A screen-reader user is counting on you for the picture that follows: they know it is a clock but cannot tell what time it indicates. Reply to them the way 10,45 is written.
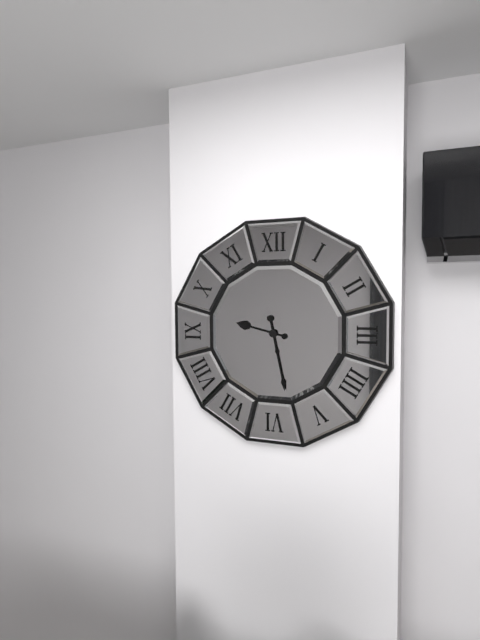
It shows 9,28
